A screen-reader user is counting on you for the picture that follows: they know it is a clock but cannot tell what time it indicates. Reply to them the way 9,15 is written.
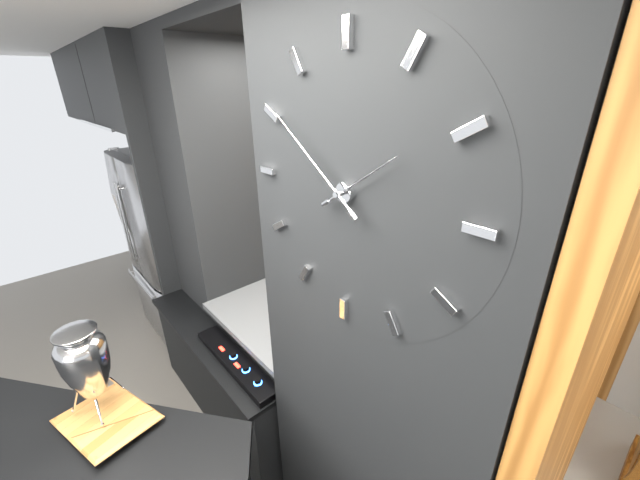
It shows 1,51
